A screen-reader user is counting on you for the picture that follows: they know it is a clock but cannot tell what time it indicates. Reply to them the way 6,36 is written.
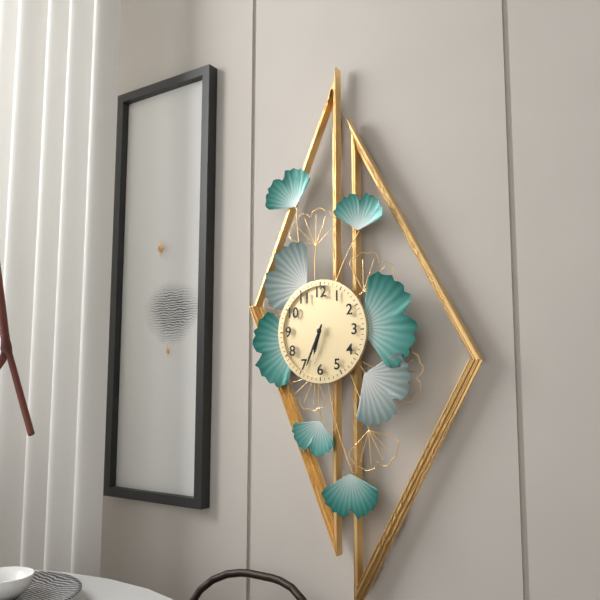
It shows 6,34
